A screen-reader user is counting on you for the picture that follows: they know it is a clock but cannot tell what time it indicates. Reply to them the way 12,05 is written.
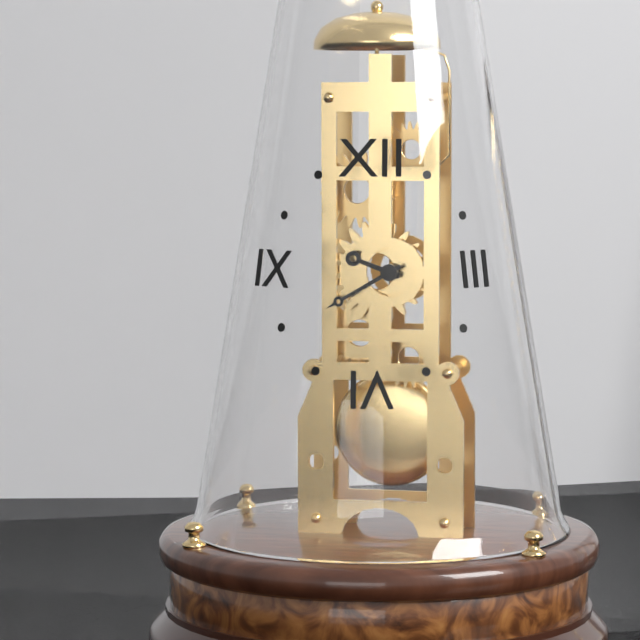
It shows 9,40
